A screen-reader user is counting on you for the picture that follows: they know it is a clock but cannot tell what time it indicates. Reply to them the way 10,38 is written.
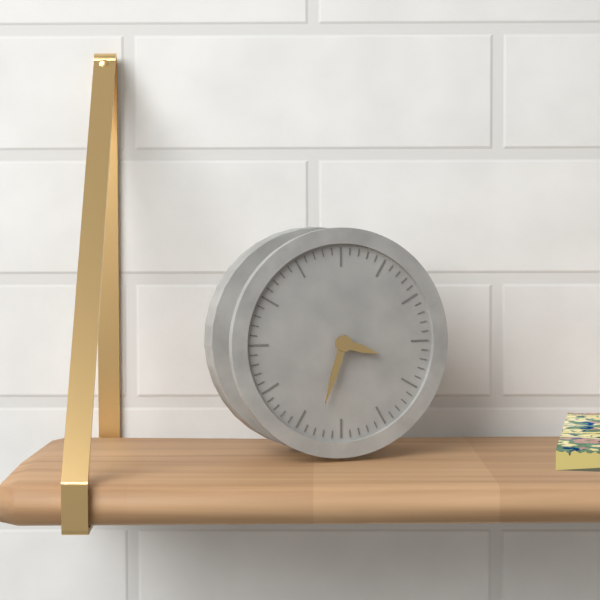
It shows 3,33
